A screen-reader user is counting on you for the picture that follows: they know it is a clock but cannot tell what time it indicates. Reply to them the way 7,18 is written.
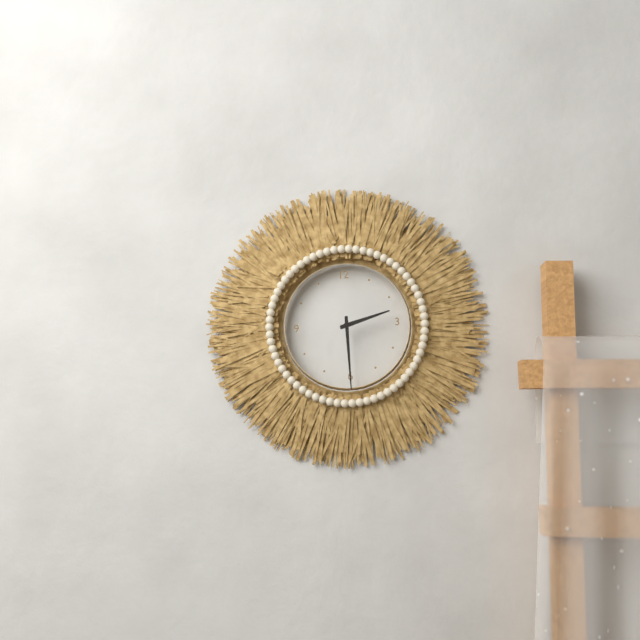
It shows 2,30
